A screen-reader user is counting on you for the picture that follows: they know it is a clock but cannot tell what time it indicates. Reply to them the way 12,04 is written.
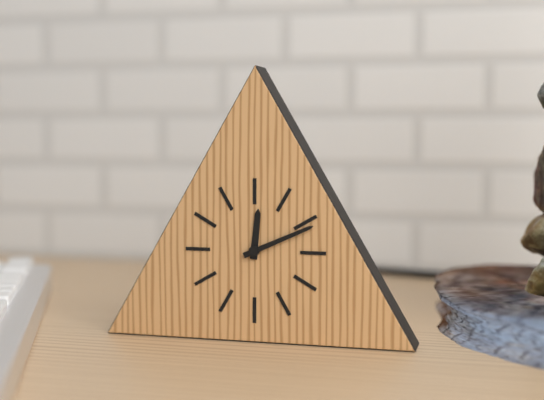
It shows 12,11
